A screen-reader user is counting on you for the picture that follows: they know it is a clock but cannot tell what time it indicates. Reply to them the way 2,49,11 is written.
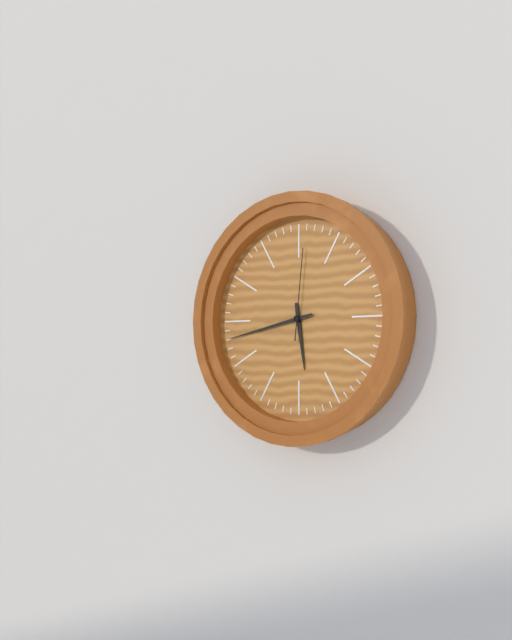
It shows 5,43,01
